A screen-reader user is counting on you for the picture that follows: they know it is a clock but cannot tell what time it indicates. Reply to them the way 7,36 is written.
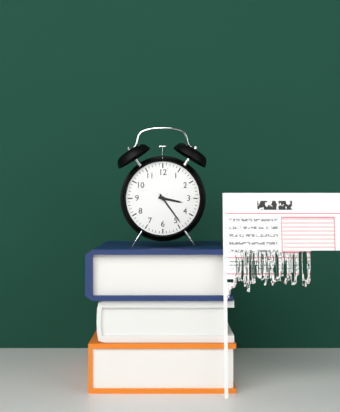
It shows 3,24
